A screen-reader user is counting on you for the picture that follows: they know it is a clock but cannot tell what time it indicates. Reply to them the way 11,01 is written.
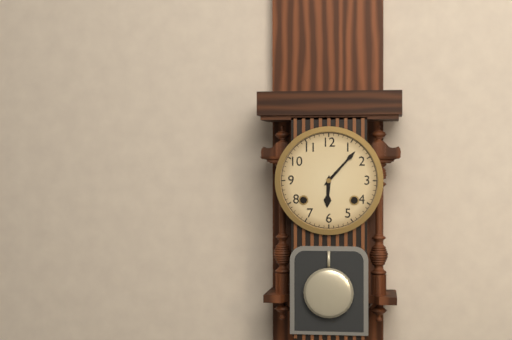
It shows 6,07
